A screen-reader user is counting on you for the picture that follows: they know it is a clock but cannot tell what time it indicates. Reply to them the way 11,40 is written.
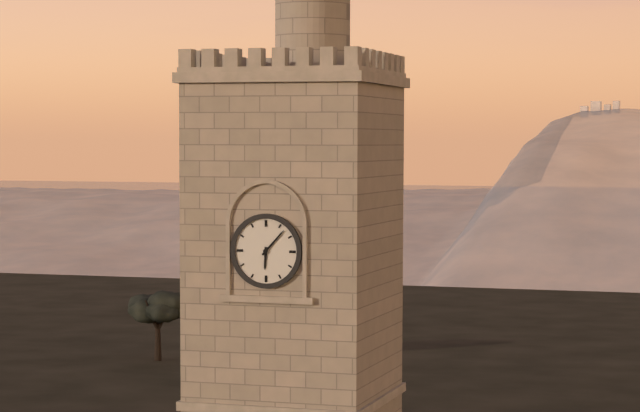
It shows 6,07
